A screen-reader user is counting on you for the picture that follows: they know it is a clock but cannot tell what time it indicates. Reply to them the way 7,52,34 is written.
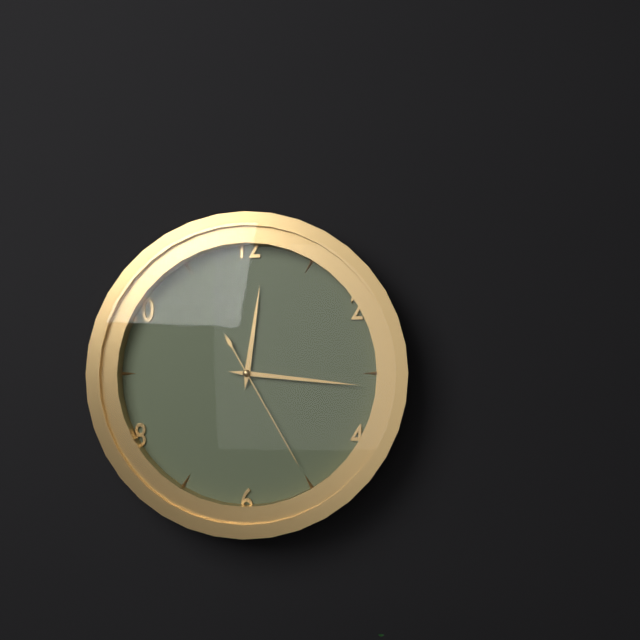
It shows 12,16,25
